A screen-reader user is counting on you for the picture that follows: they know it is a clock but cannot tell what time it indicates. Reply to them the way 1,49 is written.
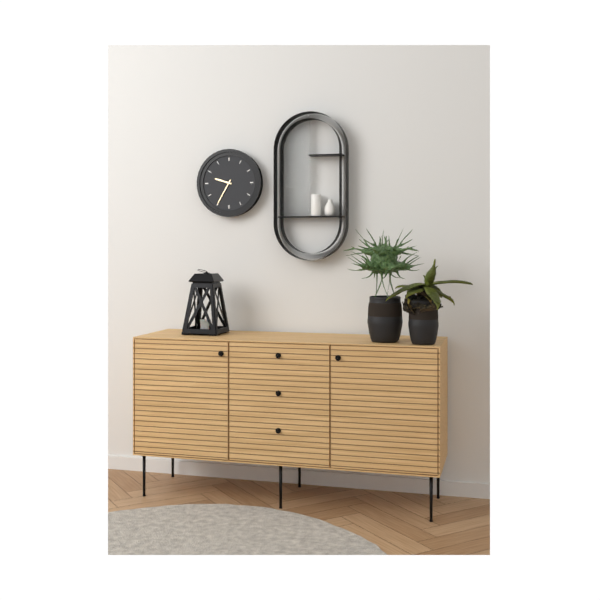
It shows 9,35
